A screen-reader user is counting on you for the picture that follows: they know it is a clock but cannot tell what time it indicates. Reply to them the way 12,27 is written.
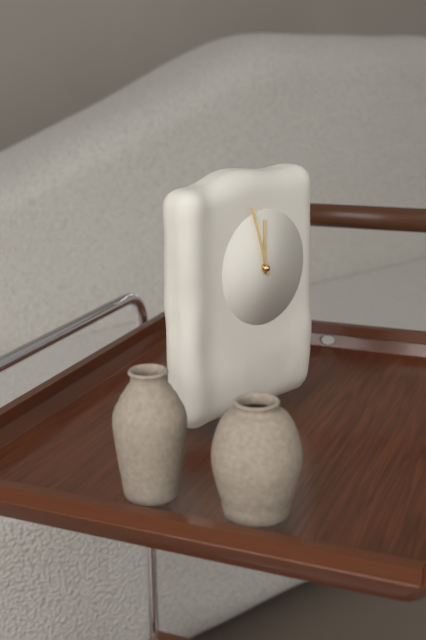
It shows 11,57
